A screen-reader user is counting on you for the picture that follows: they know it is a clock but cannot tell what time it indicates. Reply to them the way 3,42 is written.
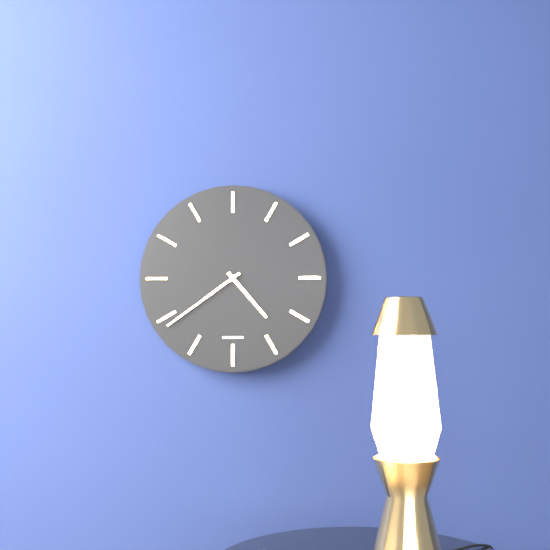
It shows 4,39
